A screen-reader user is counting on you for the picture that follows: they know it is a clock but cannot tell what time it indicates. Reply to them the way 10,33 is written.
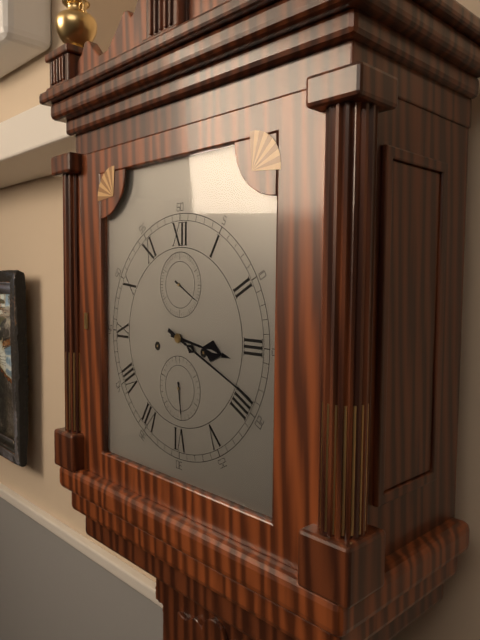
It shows 3,19
